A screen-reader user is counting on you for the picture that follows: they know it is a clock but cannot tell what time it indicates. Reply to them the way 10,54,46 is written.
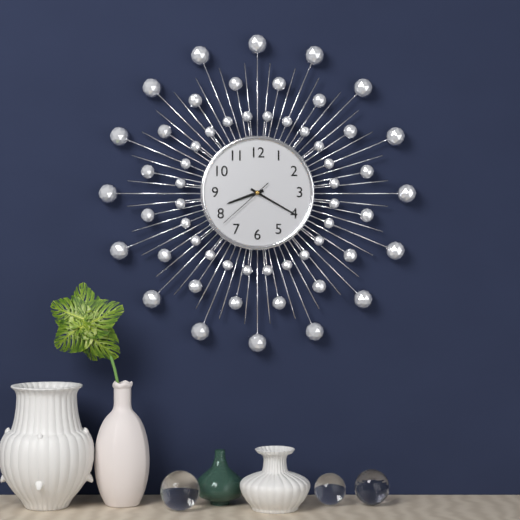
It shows 8,20,38
